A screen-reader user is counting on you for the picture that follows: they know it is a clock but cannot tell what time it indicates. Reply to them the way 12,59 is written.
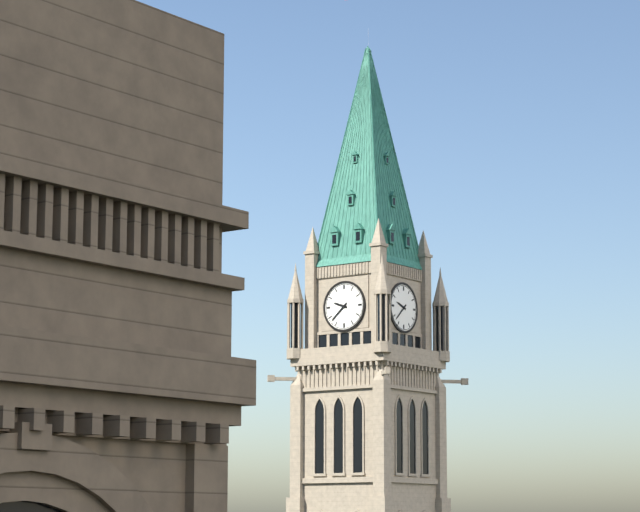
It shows 9,38
